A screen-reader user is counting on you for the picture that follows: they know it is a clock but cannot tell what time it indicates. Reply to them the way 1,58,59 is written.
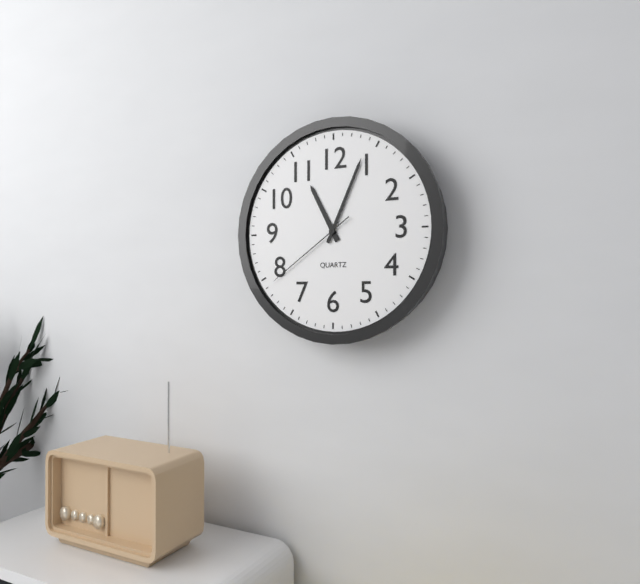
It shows 11,04,39
